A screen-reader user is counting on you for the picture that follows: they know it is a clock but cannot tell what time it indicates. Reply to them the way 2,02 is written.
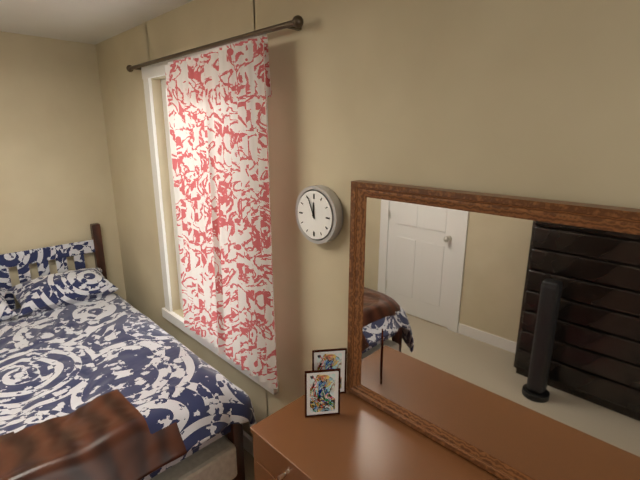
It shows 11,56
